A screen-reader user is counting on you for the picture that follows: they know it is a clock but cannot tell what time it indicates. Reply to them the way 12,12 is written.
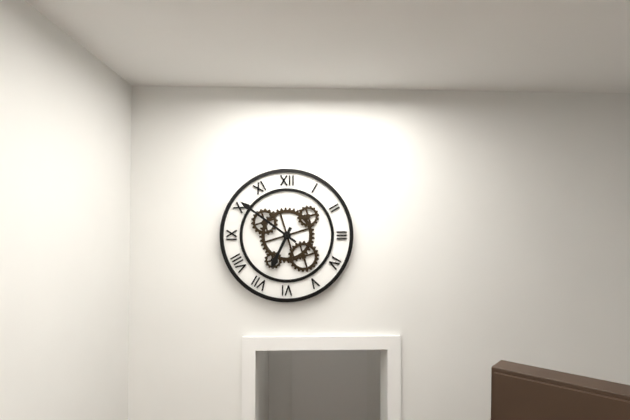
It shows 6,51
